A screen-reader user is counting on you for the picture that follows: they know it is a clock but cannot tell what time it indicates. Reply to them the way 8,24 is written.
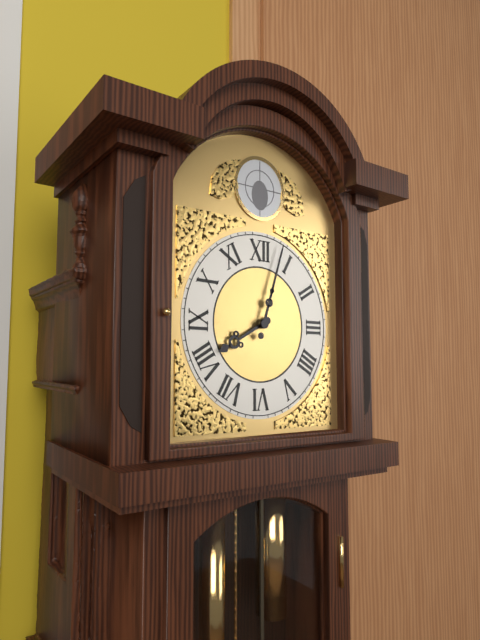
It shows 8,03
